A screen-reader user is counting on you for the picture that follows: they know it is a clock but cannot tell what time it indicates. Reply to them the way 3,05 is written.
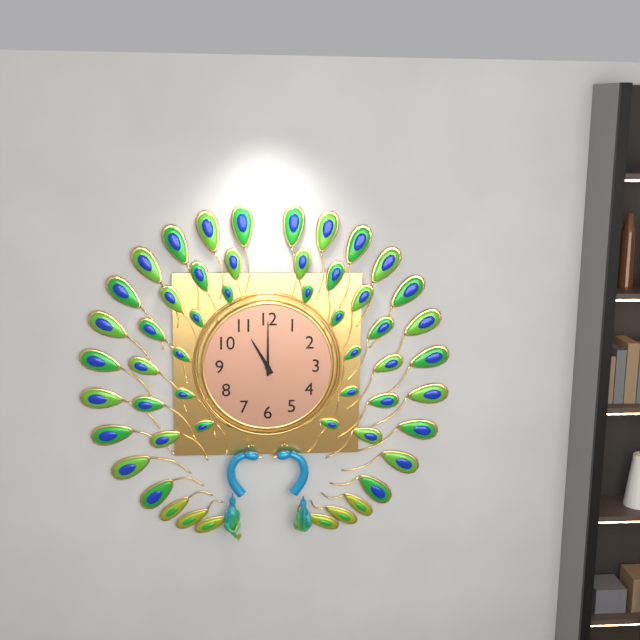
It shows 11,00
